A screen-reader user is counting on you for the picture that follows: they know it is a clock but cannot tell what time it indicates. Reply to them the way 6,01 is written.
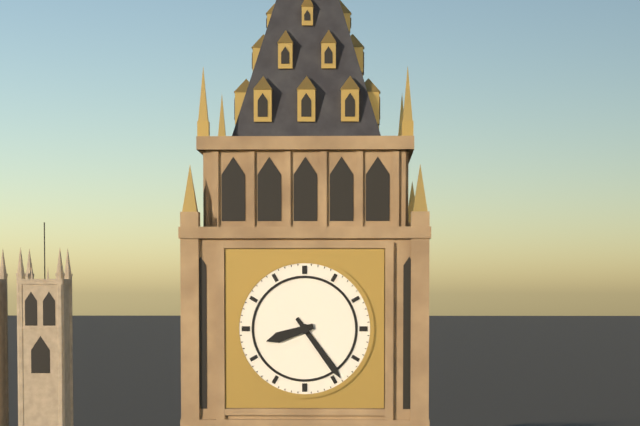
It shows 8,24
